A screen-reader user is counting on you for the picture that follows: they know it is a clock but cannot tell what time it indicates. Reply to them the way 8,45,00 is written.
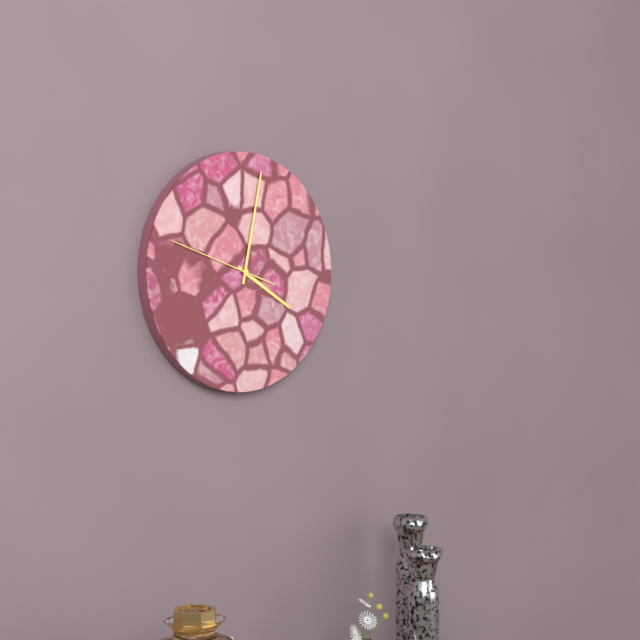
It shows 4,02,48
